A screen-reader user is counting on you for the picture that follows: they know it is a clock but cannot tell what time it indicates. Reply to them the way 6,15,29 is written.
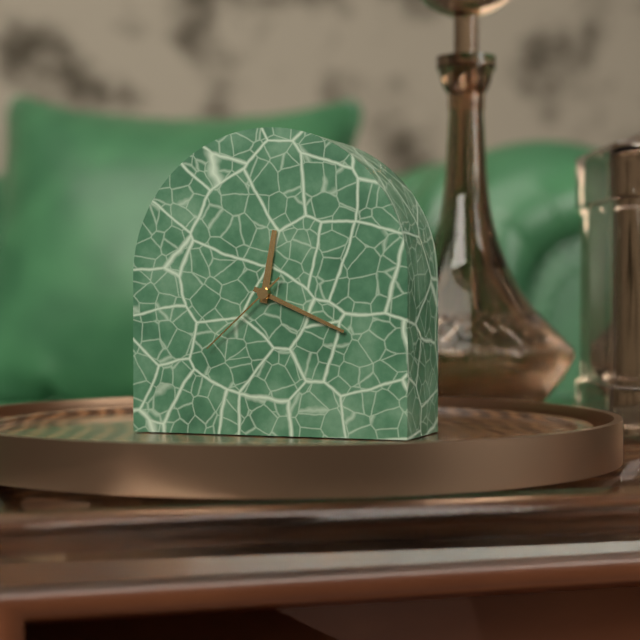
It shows 12,19,38
